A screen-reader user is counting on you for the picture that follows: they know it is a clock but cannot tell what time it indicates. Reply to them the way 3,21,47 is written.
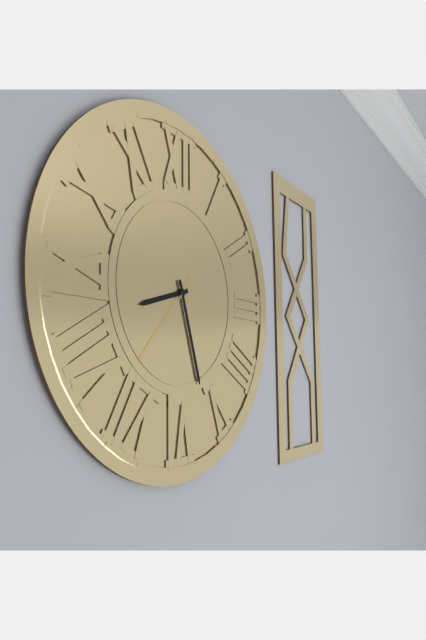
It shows 8,27,37
